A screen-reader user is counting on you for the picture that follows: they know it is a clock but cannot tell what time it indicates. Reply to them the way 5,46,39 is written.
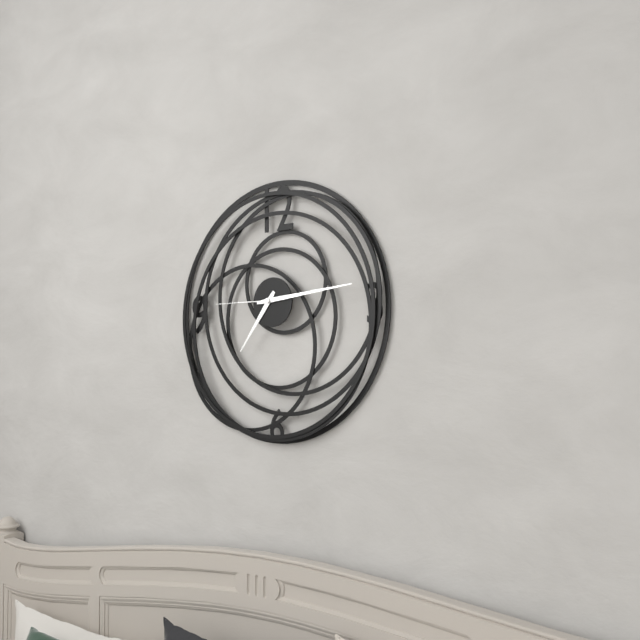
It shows 7,14,45
